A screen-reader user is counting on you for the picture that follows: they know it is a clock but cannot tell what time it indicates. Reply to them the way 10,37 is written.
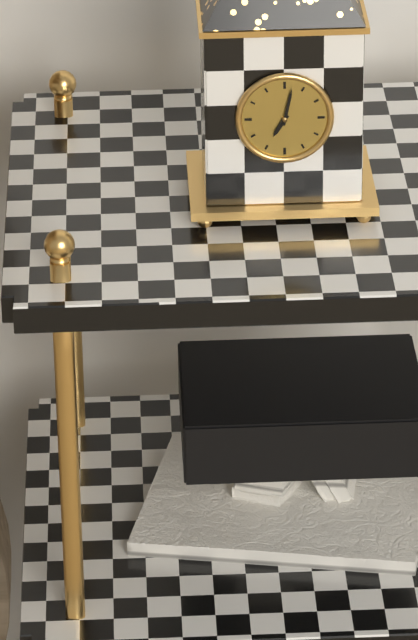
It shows 7,02
